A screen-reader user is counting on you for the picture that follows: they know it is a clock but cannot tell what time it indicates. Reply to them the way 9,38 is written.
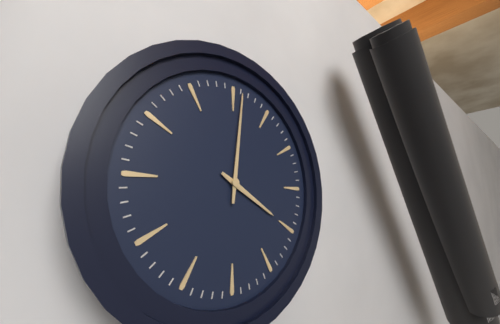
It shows 4,01
